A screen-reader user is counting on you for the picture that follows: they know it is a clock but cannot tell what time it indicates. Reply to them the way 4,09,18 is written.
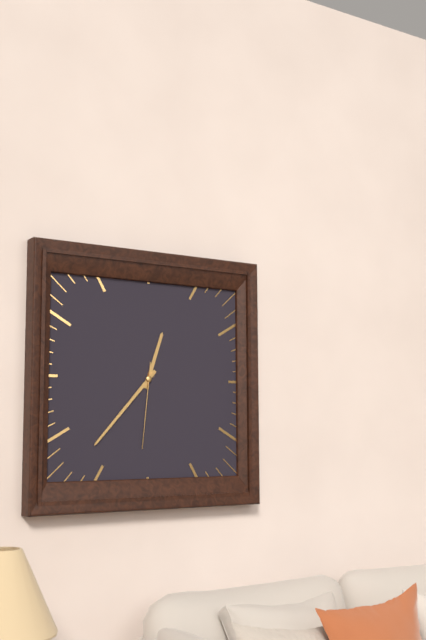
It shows 12,37,31
